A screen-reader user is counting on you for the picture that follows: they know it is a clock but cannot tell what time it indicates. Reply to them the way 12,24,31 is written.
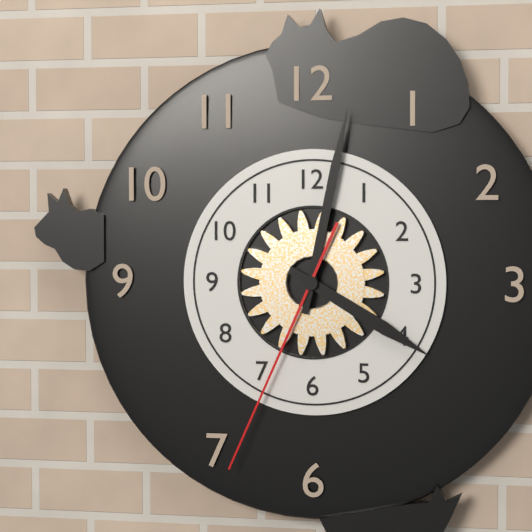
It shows 4,02,34
